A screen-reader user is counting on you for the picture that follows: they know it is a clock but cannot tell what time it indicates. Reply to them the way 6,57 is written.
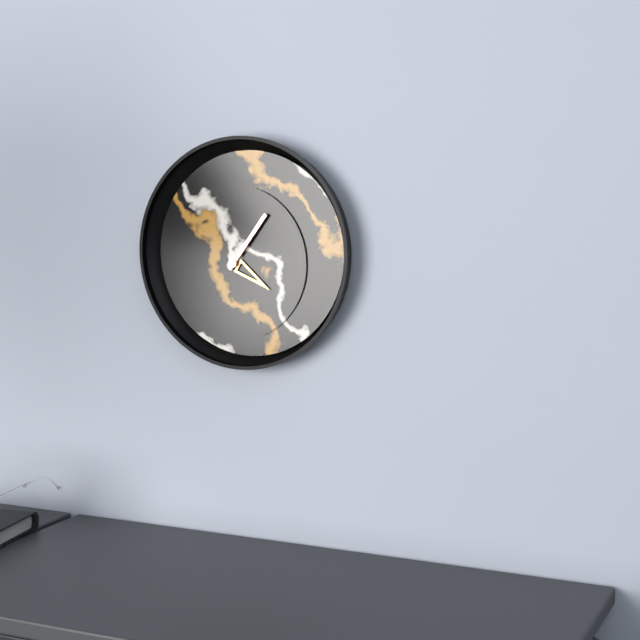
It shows 4,06
